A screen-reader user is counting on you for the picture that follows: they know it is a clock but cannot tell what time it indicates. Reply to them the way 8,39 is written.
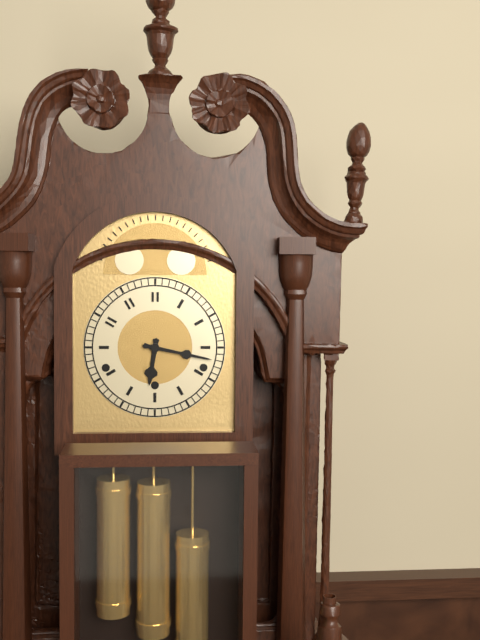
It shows 6,17
